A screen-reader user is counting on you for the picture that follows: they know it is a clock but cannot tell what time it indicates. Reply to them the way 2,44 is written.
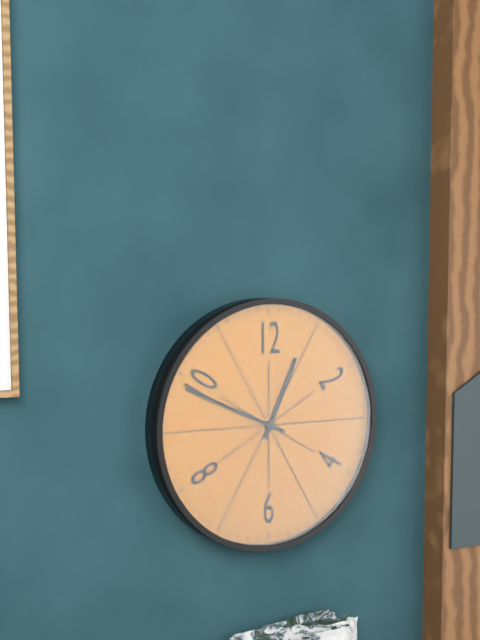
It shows 12,49
